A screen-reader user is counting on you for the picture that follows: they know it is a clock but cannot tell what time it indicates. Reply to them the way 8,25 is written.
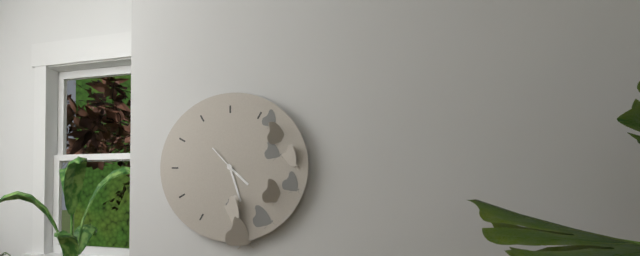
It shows 4,27
